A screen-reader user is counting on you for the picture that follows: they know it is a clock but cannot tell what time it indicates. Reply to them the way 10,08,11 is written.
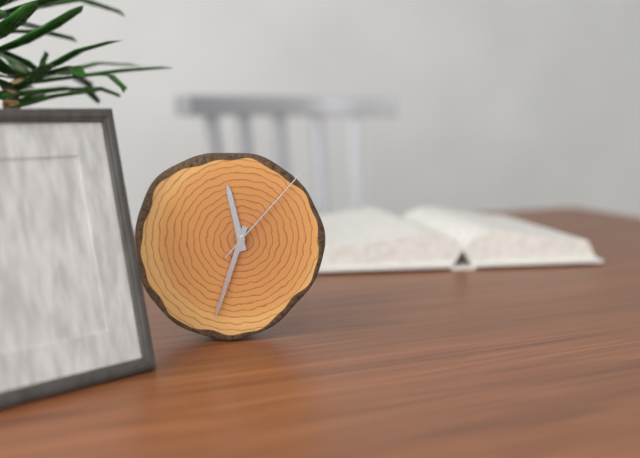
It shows 11,33,07
